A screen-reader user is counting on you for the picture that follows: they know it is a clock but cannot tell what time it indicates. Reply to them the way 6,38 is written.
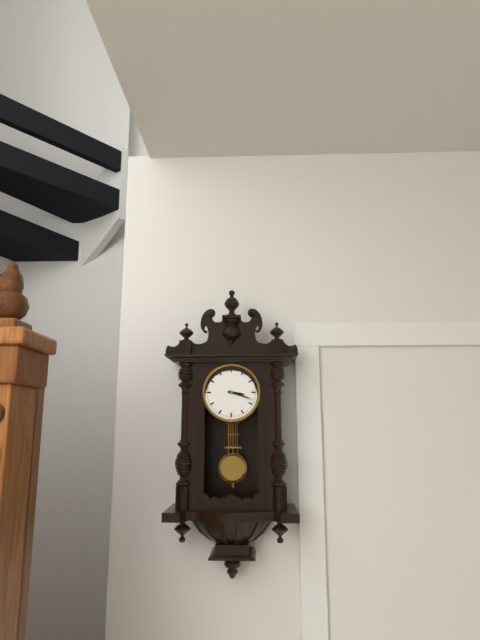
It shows 3,18
